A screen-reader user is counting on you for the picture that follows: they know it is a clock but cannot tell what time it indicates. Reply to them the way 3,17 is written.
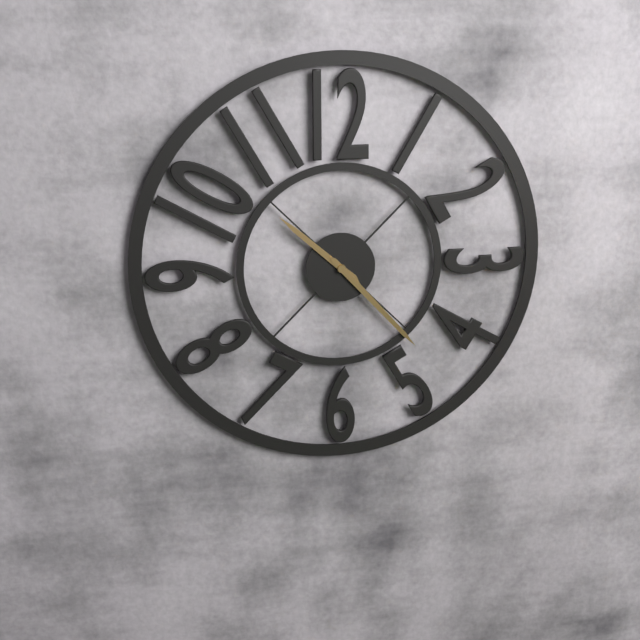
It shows 10,23
